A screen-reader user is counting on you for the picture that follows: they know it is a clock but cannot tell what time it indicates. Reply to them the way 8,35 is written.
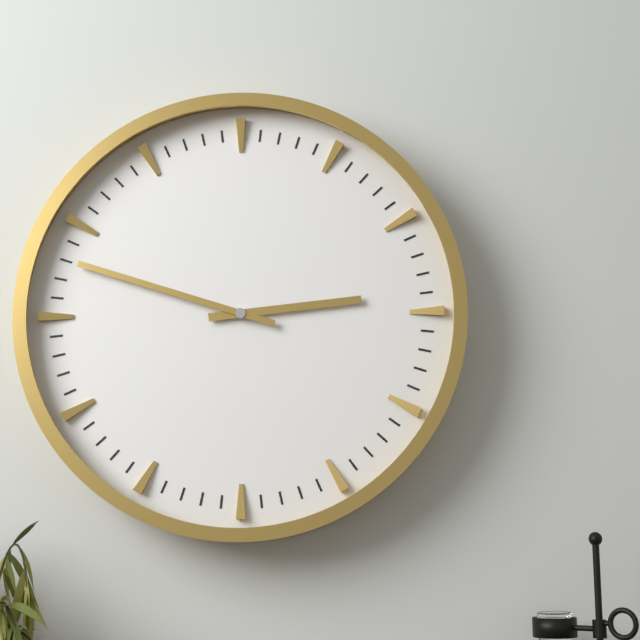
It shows 2,48
